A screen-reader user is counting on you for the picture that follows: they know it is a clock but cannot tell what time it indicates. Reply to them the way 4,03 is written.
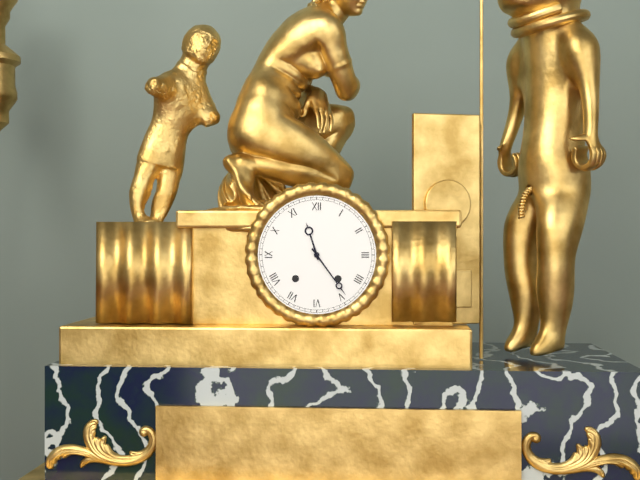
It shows 11,24
